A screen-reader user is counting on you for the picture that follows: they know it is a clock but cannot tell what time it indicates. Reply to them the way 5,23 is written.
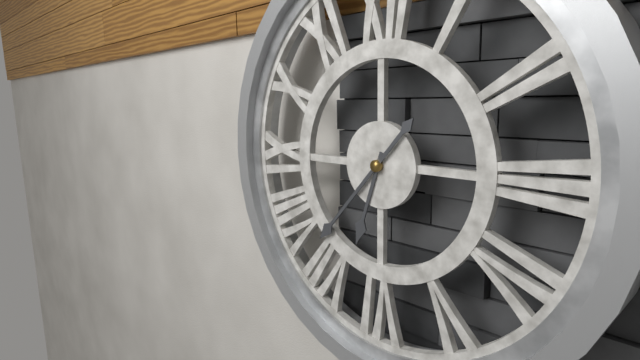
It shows 6,37
